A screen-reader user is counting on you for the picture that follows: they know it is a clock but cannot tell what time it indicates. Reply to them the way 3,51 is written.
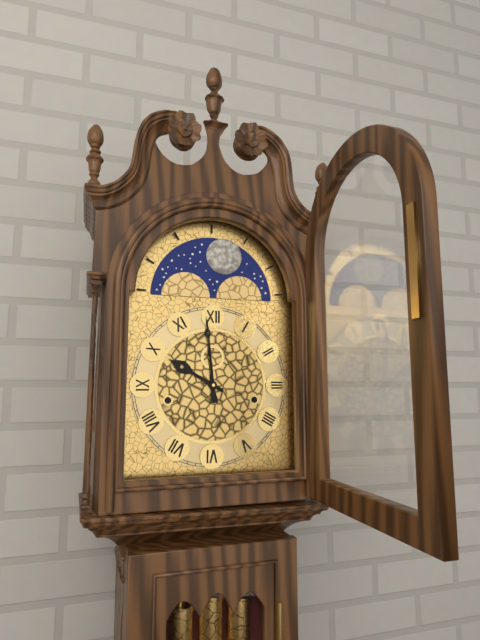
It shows 9,59
